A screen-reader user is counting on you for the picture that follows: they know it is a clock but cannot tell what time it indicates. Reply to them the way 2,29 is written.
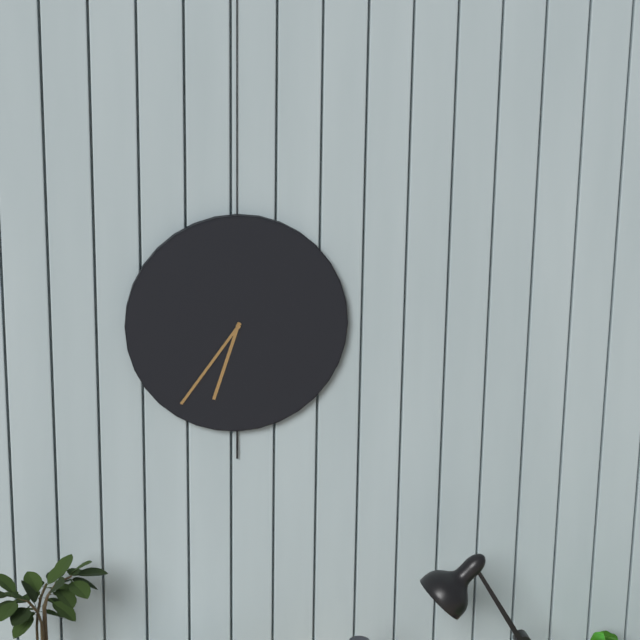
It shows 6,36
